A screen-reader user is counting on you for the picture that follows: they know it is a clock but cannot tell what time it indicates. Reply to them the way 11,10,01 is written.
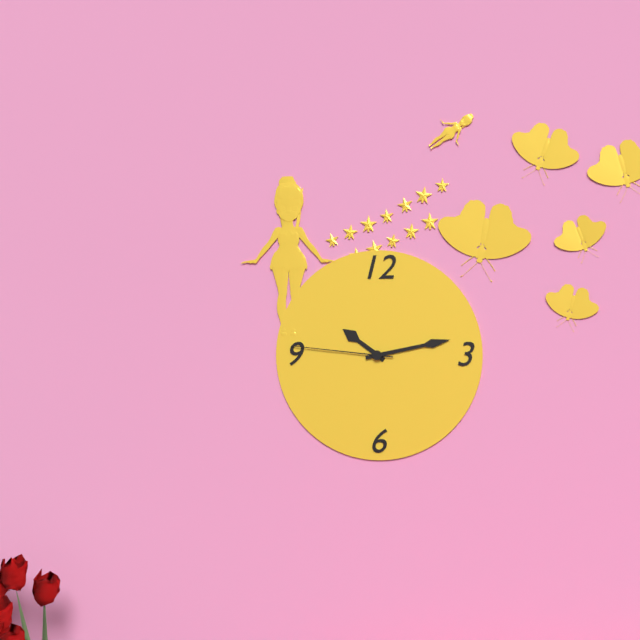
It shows 10,13,46
